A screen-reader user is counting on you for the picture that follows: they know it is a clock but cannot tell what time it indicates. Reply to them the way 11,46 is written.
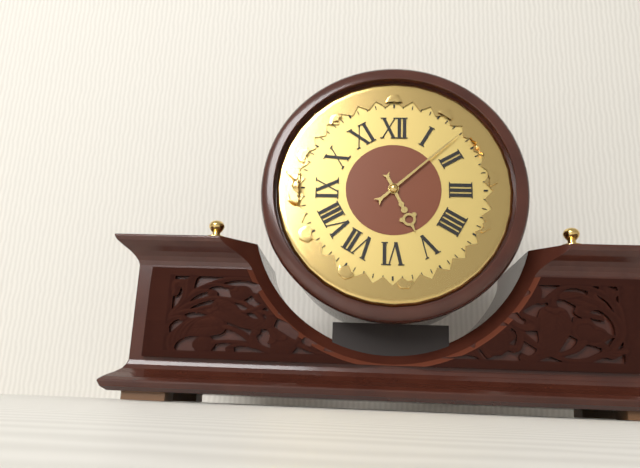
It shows 5,08
